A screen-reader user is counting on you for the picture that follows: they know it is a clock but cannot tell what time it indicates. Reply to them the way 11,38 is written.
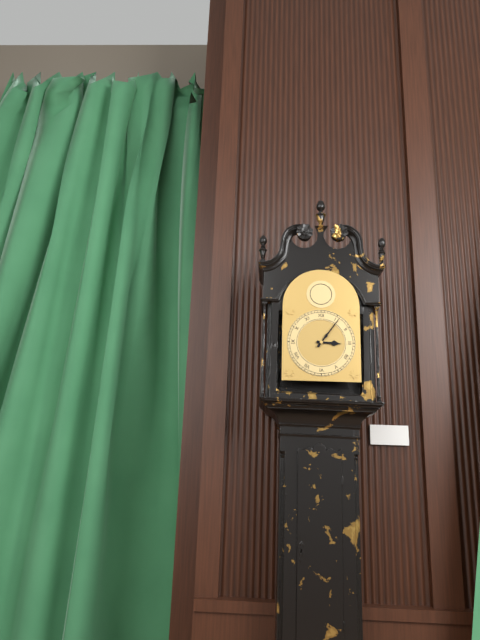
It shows 3,06
